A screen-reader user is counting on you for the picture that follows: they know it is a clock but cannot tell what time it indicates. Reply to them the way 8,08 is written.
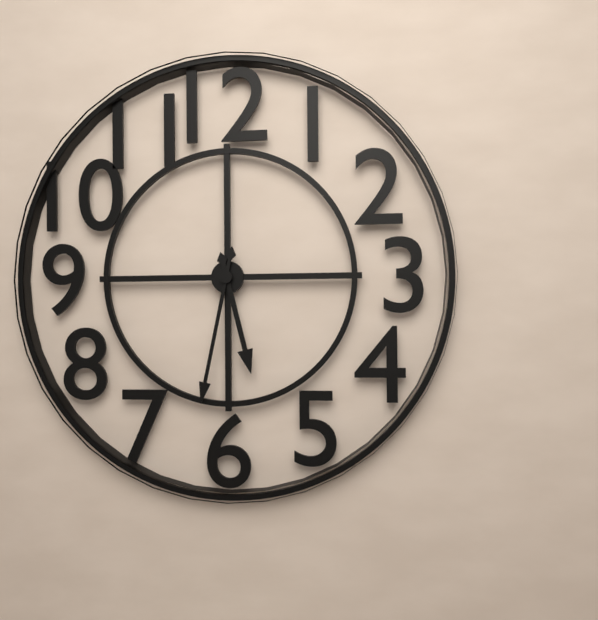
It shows 5,32
